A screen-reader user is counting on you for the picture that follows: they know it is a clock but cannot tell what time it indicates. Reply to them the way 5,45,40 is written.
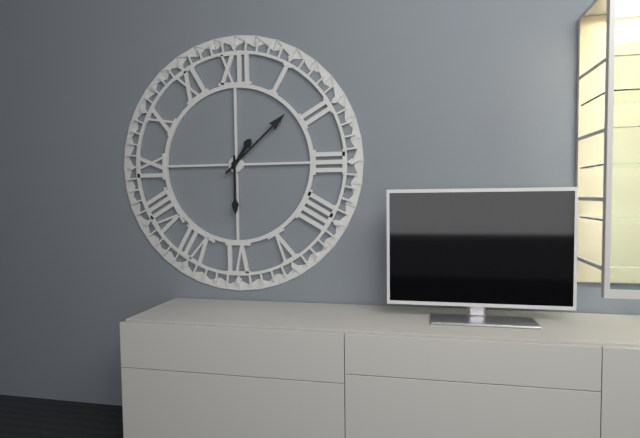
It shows 1,08,30
